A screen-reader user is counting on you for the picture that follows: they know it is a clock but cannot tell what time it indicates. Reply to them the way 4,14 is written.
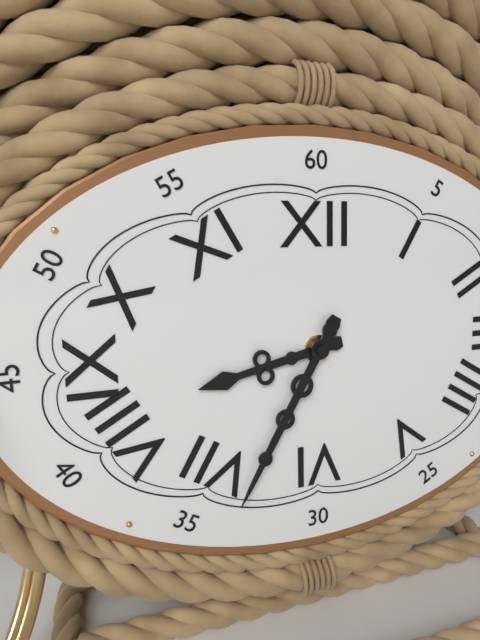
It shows 8,35
